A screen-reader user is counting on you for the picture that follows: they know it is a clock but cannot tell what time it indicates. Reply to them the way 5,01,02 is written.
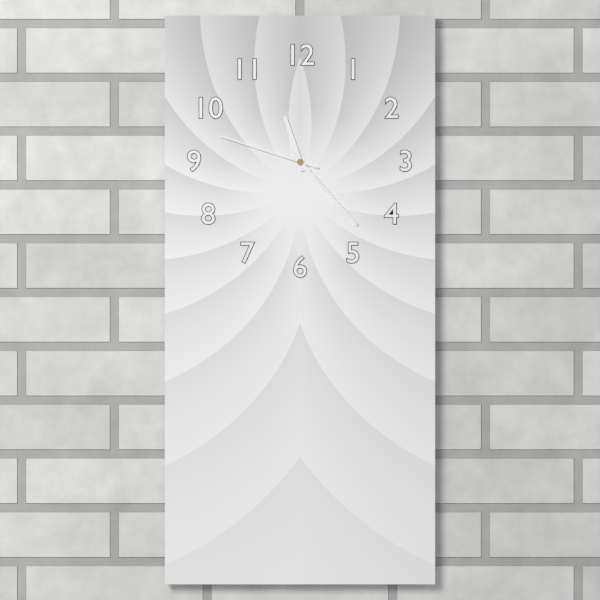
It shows 11,23,48
